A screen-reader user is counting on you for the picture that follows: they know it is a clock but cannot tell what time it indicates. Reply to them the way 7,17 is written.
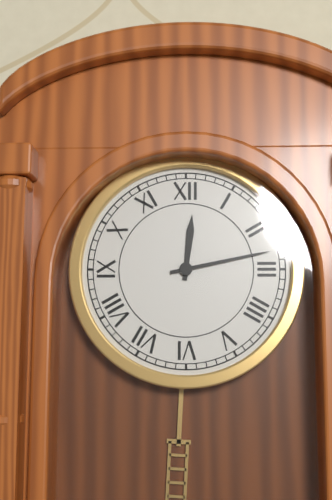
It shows 12,13
